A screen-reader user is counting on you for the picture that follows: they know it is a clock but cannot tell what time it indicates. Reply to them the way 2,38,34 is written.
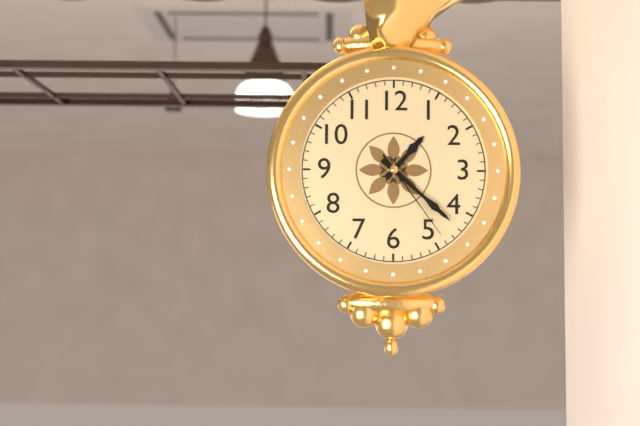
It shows 1,22,24
